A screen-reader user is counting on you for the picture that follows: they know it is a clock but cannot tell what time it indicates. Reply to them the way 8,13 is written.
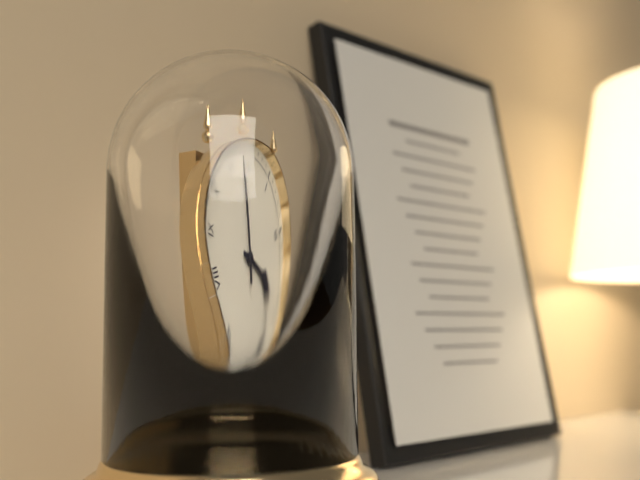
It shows 2,58
